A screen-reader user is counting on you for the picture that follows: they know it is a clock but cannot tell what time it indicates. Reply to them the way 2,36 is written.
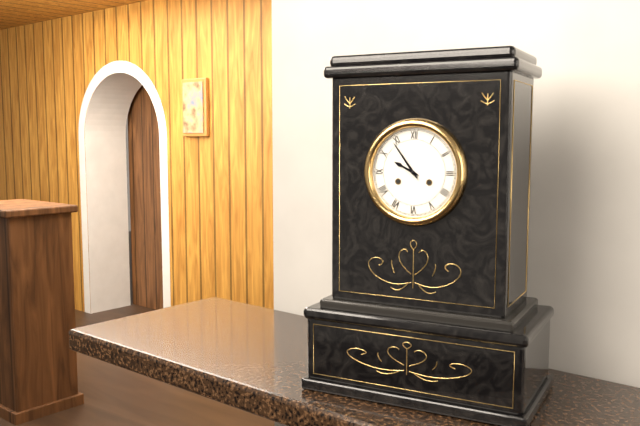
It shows 9,54
